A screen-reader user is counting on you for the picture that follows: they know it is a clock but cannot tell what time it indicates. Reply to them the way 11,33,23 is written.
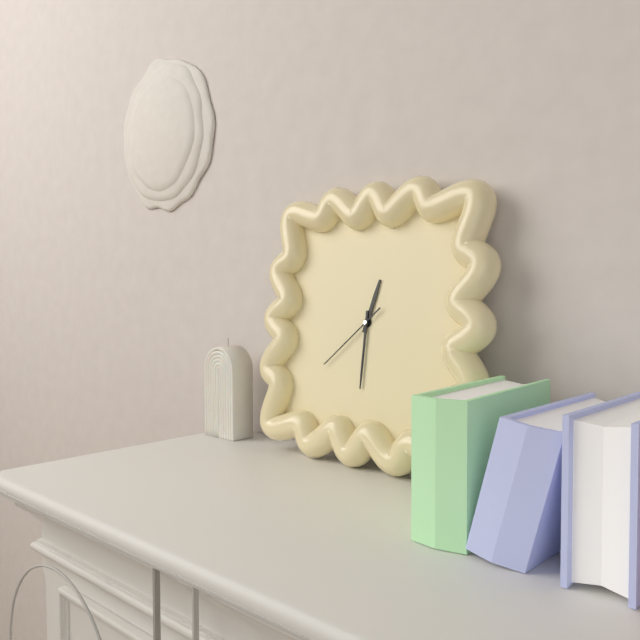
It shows 12,30,38
